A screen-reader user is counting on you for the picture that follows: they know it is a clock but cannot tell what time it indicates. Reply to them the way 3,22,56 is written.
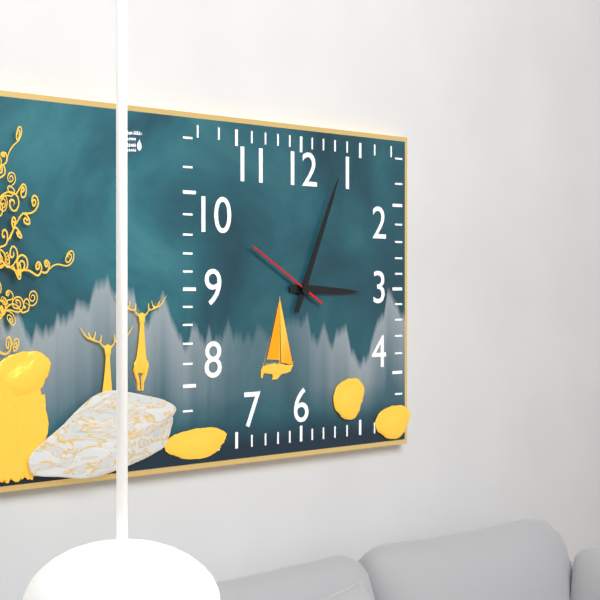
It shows 3,04,50
